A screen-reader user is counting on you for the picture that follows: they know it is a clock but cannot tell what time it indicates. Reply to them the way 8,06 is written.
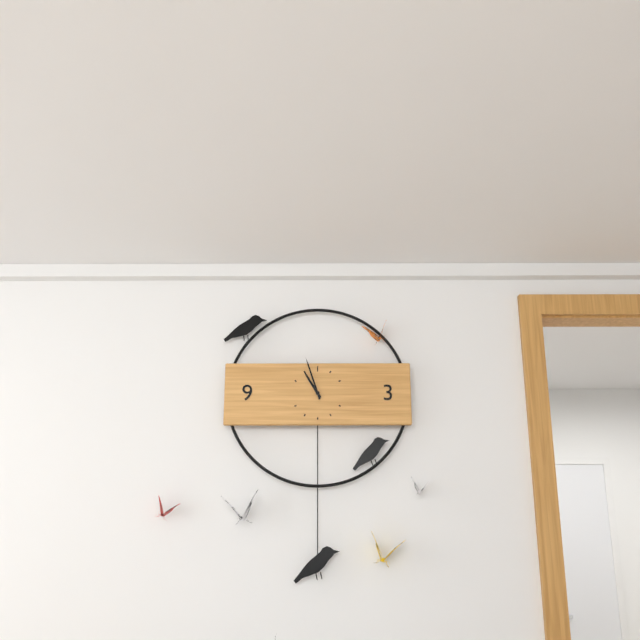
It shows 10,57
